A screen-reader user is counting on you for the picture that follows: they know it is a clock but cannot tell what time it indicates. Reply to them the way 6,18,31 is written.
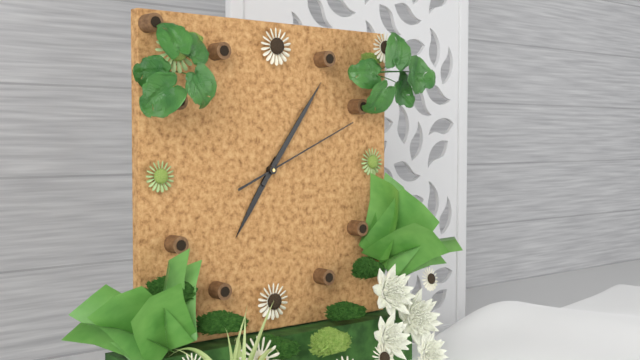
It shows 7,06,11
